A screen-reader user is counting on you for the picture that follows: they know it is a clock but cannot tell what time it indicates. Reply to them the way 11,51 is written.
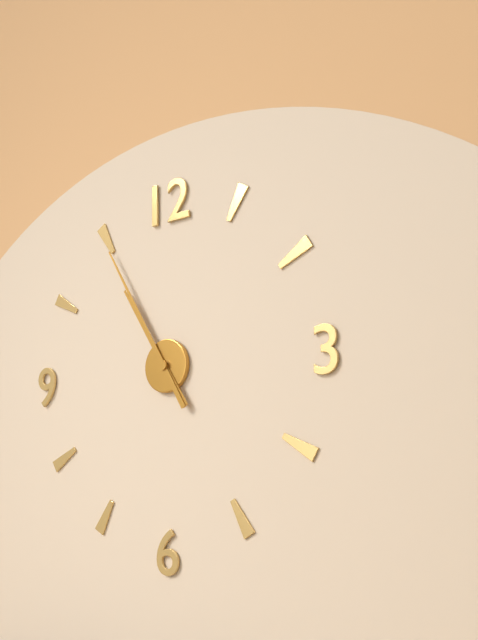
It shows 10,55
